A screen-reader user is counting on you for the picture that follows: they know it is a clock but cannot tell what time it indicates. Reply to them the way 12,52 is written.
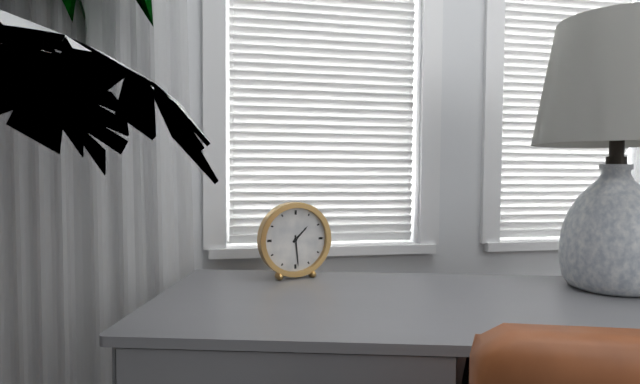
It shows 1,29
